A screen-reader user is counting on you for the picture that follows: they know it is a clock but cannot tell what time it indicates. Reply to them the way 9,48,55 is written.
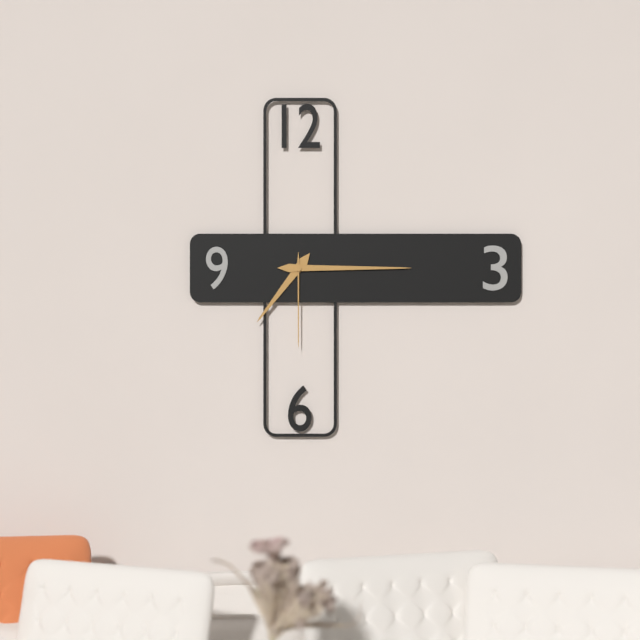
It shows 7,15,30
